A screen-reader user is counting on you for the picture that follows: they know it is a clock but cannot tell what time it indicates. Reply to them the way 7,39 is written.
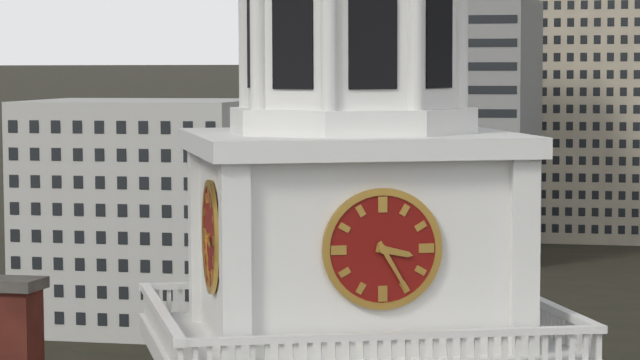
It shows 3,25
